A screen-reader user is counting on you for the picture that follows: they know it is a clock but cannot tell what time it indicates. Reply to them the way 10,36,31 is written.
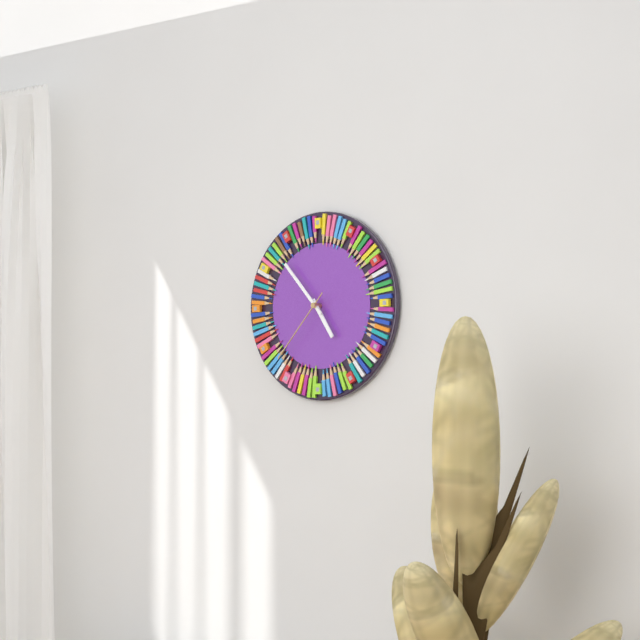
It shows 4,53,37
